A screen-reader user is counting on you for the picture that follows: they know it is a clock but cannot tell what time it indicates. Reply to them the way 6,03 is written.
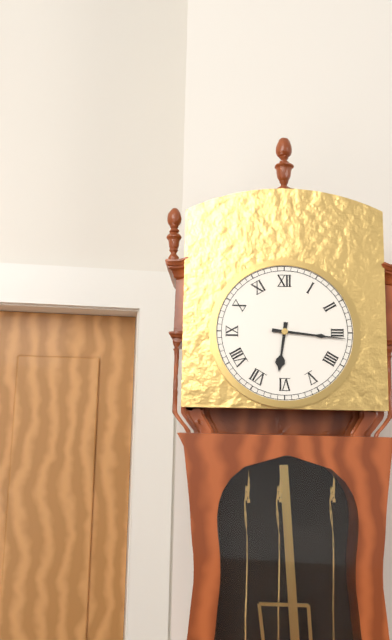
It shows 6,16
